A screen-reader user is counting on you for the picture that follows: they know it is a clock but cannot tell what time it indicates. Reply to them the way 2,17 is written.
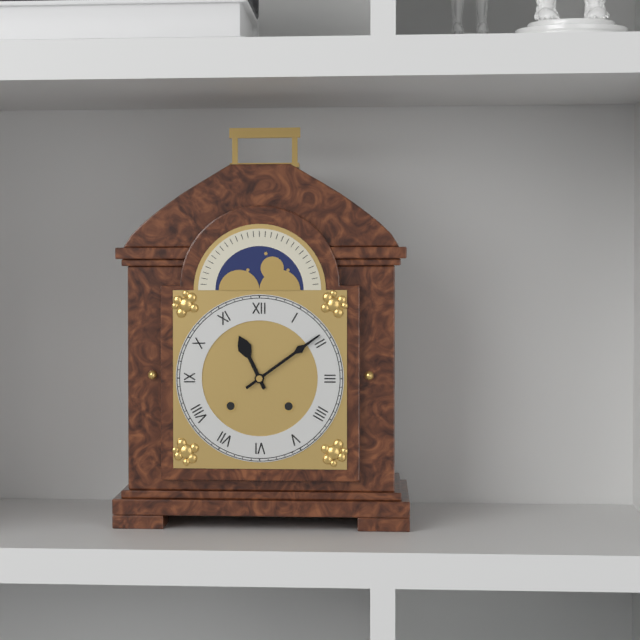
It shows 11,09
